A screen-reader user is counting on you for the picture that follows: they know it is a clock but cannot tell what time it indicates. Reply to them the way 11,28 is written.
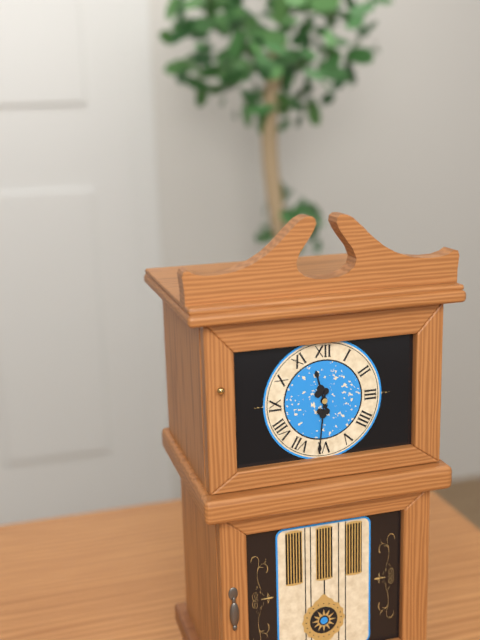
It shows 11,31
